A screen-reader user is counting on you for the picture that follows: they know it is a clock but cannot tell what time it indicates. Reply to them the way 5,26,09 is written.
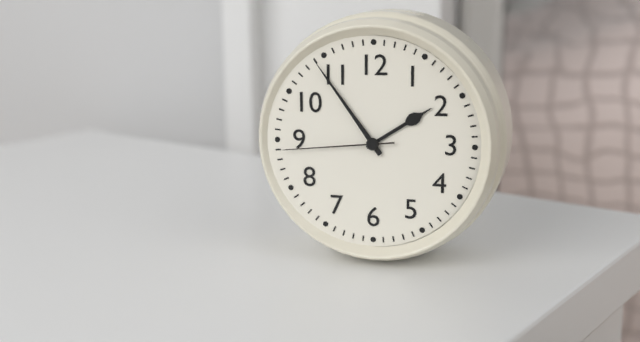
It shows 1,54,44
